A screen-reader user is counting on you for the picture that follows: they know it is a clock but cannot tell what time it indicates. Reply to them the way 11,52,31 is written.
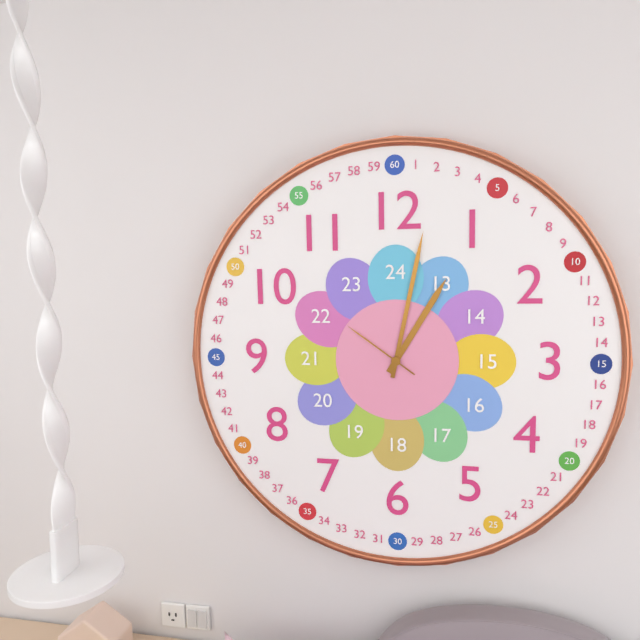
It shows 1,02,51
